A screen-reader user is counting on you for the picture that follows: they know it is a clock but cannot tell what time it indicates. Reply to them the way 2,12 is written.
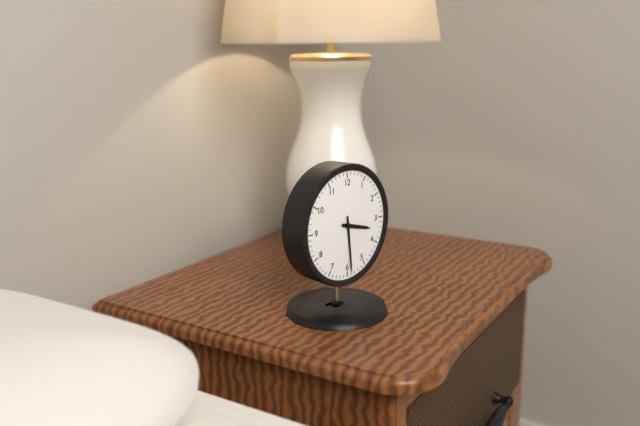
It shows 3,29
